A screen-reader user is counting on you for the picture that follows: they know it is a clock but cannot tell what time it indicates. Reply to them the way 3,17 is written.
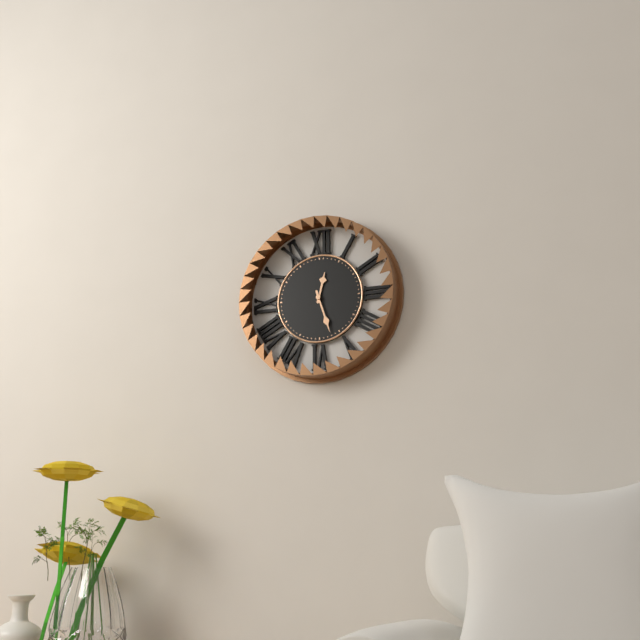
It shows 12,27
